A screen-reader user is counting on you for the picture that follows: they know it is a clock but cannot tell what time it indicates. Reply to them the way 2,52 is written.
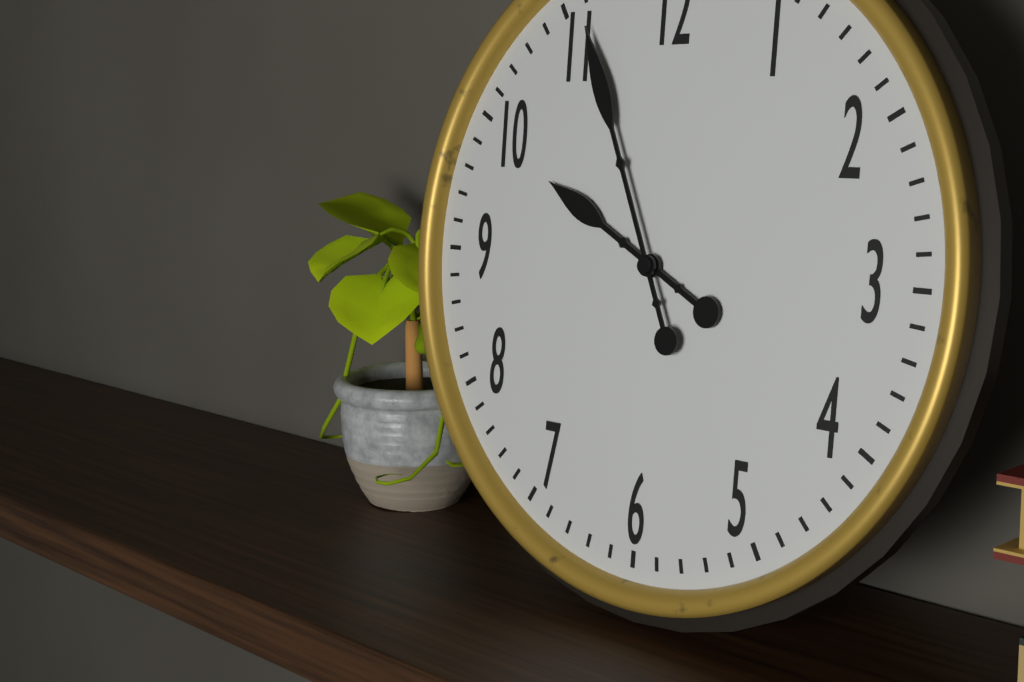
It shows 9,56
